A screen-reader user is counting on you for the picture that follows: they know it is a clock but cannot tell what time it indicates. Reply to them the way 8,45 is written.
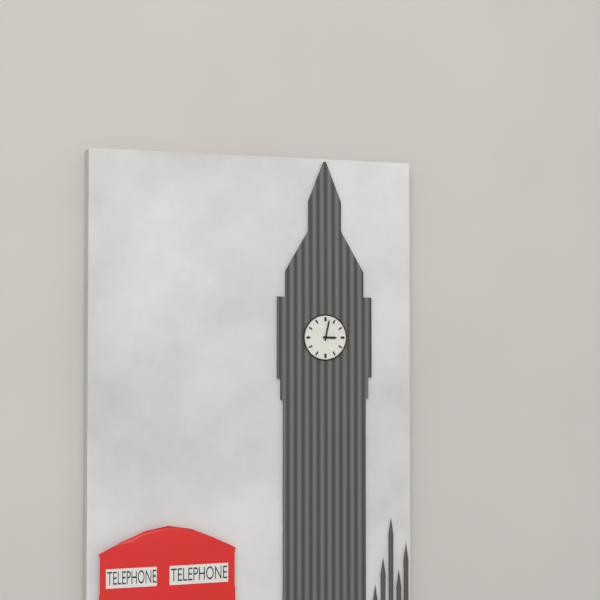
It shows 3,02
